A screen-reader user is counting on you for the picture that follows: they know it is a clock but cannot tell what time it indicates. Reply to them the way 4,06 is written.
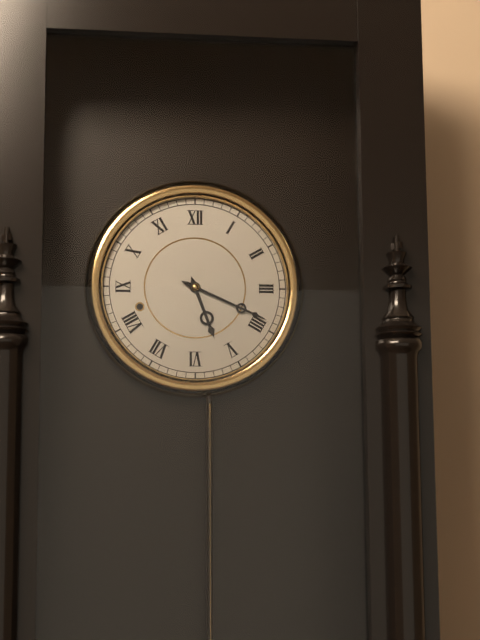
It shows 5,19
